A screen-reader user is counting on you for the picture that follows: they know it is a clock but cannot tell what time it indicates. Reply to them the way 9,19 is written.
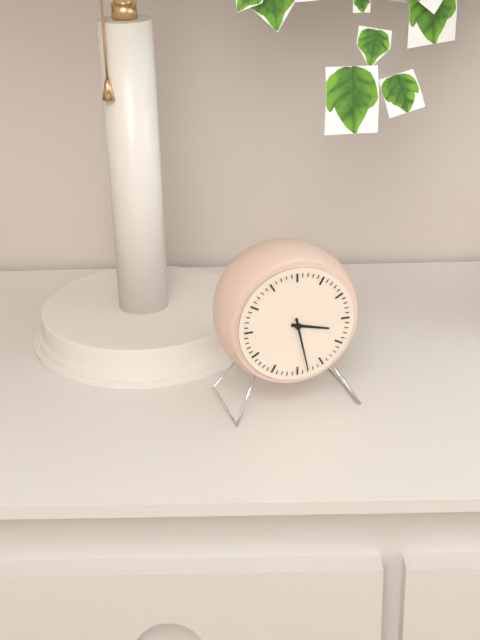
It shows 3,28
